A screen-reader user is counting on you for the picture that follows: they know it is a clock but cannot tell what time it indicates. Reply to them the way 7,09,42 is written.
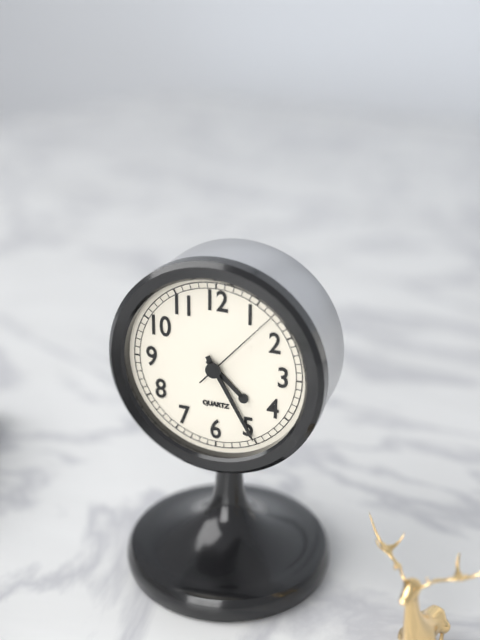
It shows 4,25,07
